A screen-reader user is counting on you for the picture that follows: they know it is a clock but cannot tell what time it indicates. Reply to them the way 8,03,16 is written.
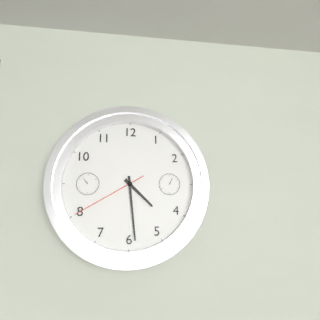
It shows 4,29,40
